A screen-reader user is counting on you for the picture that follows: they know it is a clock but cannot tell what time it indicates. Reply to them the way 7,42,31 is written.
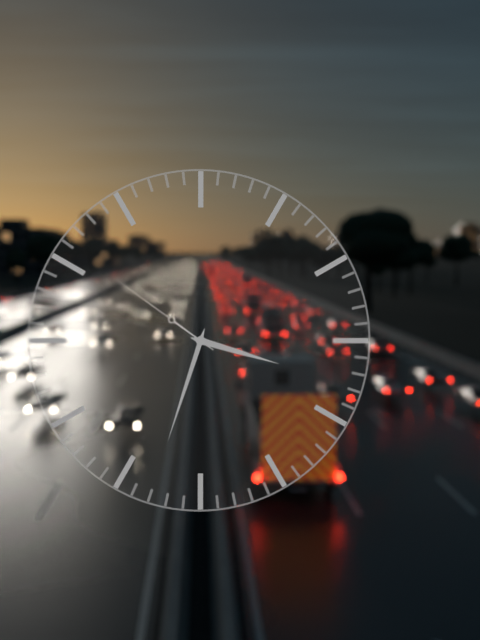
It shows 3,33,51
